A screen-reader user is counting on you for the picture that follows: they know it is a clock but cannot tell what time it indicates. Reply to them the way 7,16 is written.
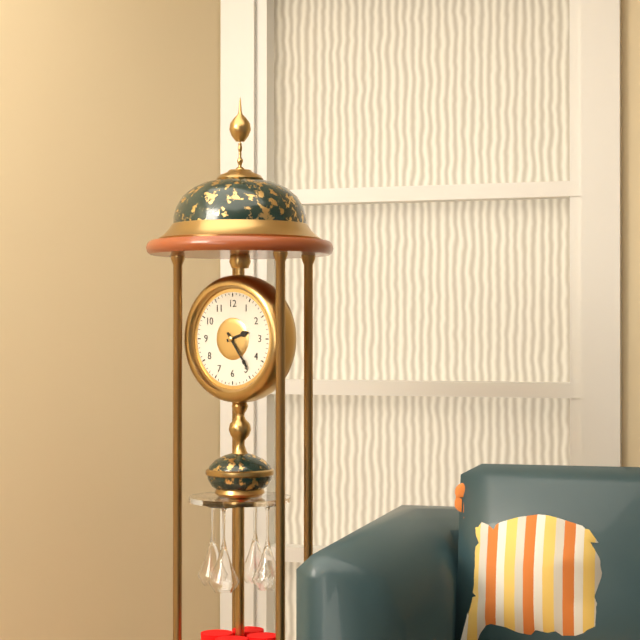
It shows 2,24
